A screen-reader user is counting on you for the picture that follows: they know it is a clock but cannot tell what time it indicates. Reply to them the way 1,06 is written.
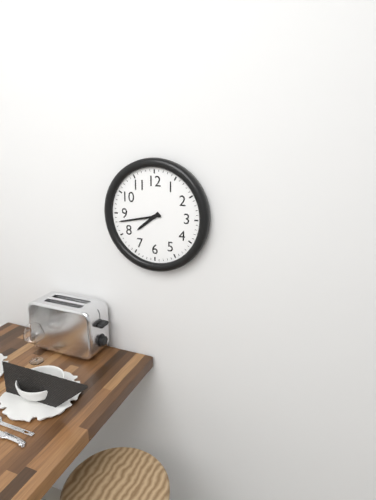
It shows 7,43
